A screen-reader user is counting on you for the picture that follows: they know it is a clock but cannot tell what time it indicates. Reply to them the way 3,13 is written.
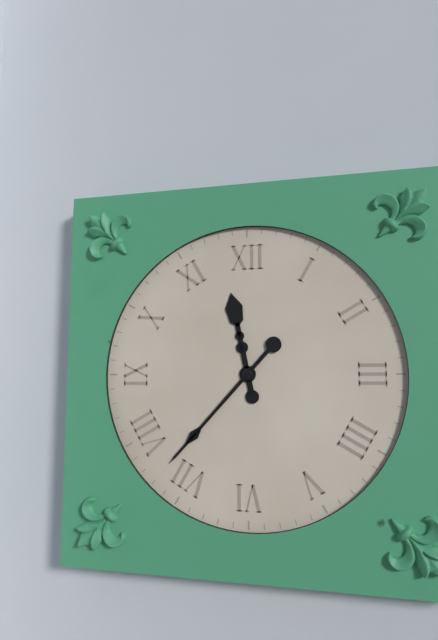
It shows 11,37
